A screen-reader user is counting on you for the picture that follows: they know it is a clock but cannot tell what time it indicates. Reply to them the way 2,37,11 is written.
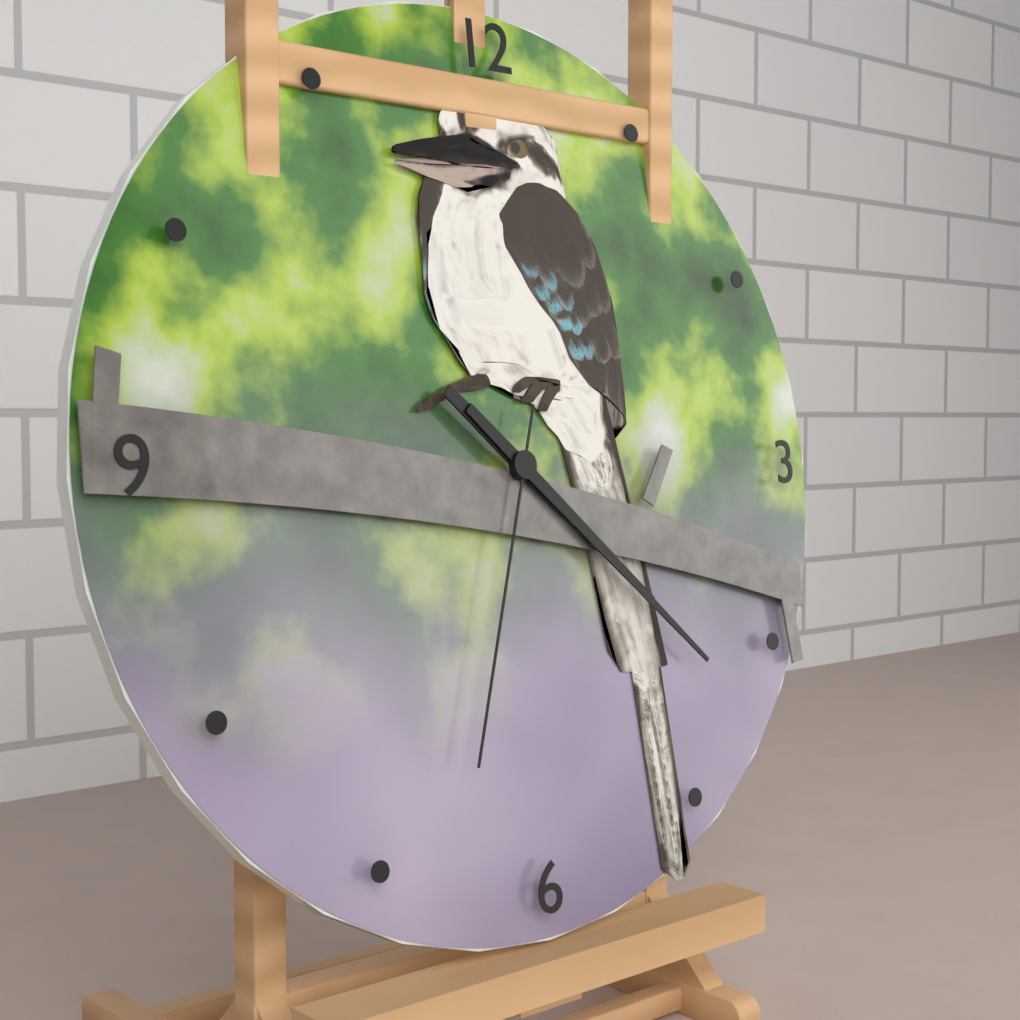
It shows 4,22,33
